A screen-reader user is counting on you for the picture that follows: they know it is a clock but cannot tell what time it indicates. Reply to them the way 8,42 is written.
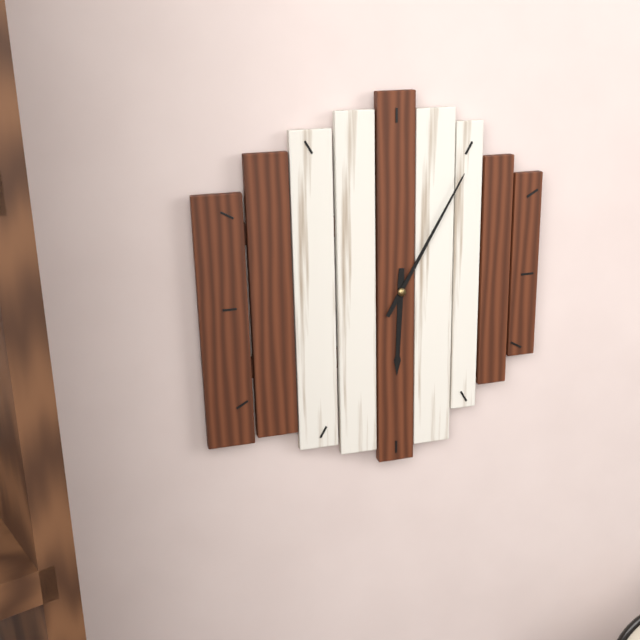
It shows 6,05
